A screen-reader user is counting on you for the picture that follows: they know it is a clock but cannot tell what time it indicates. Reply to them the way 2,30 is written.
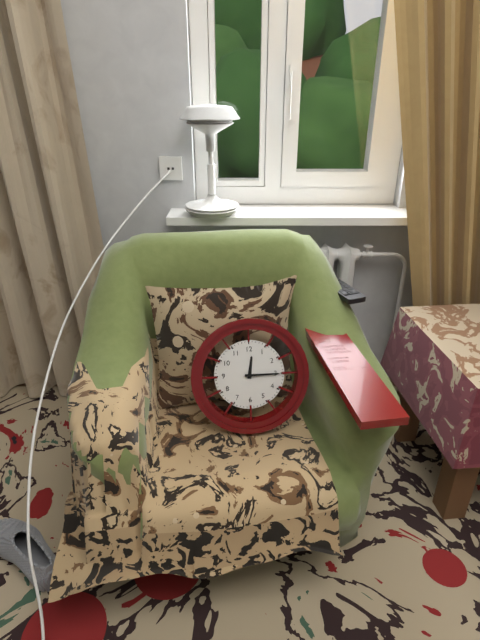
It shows 12,15
